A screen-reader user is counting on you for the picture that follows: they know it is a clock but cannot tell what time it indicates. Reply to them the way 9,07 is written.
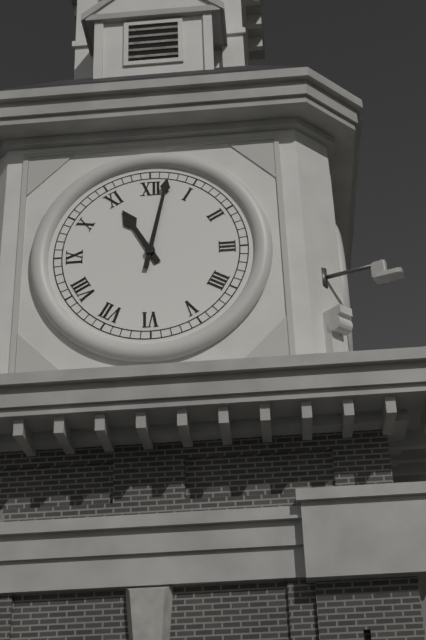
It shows 11,02
